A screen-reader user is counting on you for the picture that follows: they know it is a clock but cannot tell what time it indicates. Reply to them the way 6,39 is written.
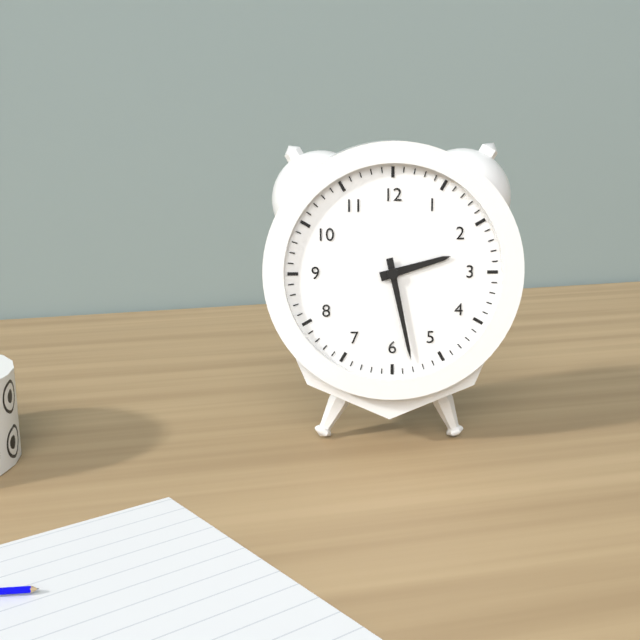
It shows 2,28
